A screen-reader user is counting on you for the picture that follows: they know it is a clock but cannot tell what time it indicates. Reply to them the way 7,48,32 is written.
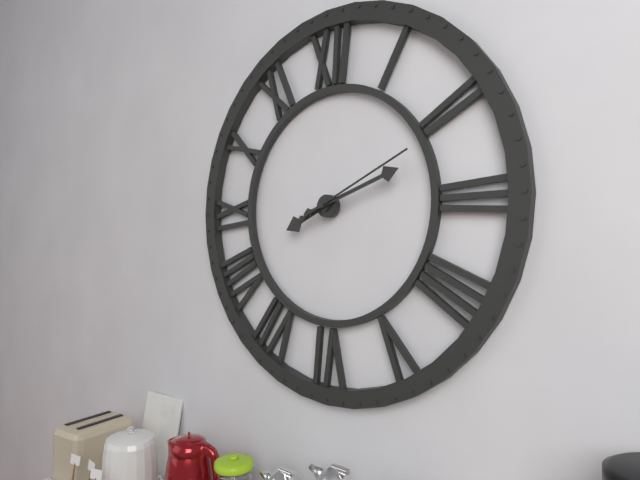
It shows 8,12,11
